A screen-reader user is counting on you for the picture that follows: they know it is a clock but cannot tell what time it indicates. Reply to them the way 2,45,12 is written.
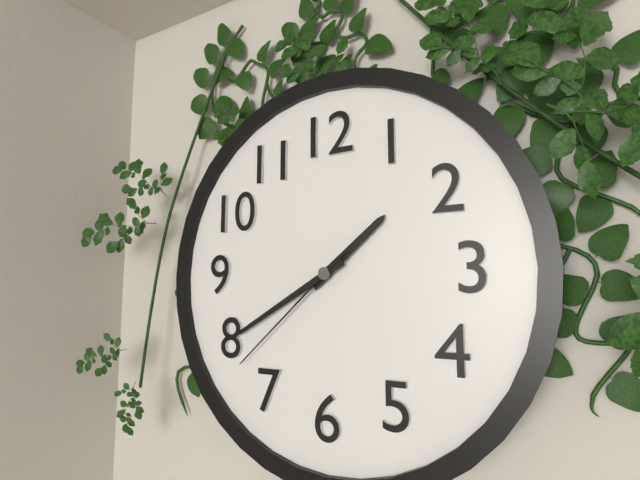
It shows 1,40,38
